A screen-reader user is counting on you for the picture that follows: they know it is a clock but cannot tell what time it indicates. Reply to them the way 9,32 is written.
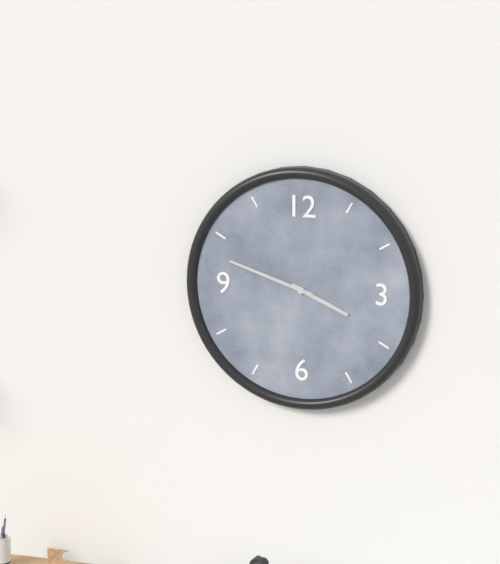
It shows 3,48
